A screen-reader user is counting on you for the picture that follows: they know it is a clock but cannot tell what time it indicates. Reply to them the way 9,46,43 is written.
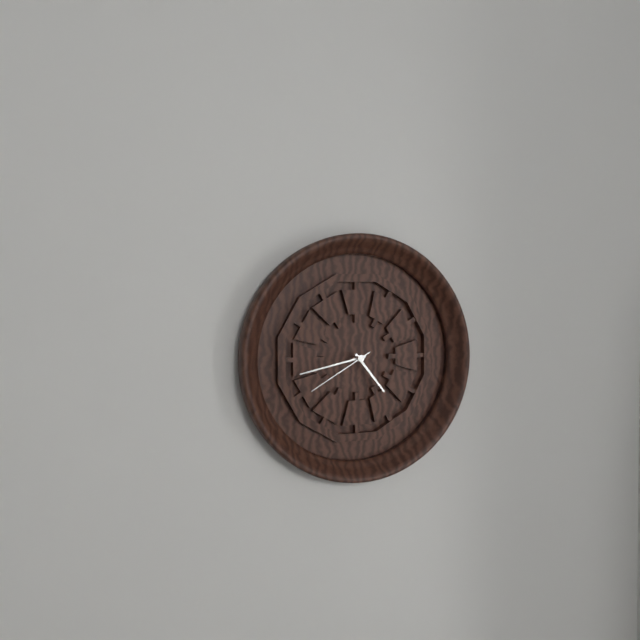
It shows 4,43,40
